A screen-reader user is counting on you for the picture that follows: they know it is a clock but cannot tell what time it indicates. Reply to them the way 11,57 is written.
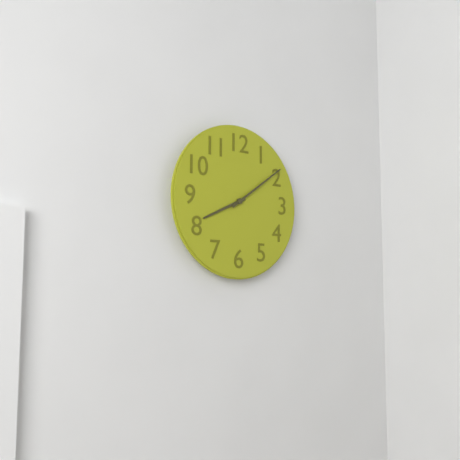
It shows 8,09
